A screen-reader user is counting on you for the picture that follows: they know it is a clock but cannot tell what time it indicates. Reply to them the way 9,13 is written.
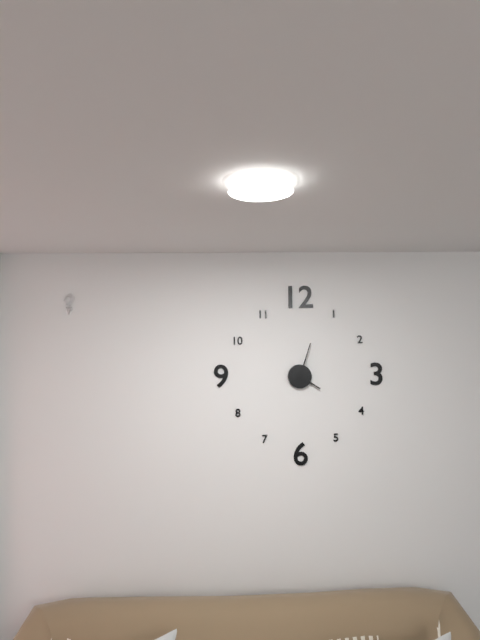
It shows 4,03
